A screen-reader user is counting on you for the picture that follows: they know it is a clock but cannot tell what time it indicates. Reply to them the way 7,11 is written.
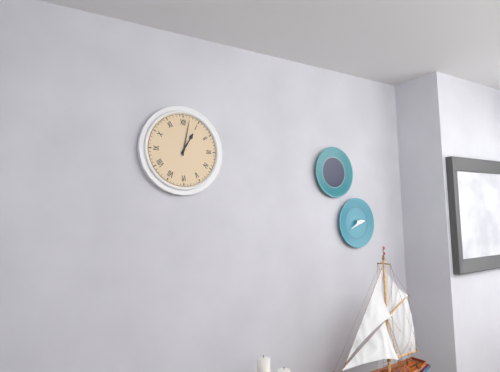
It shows 1,02
